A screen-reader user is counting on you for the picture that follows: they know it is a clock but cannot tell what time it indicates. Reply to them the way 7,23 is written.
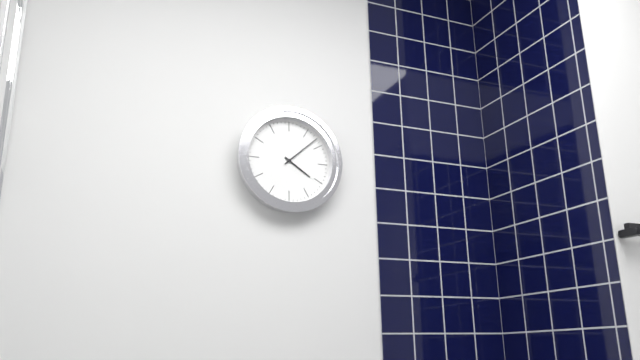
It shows 4,08
